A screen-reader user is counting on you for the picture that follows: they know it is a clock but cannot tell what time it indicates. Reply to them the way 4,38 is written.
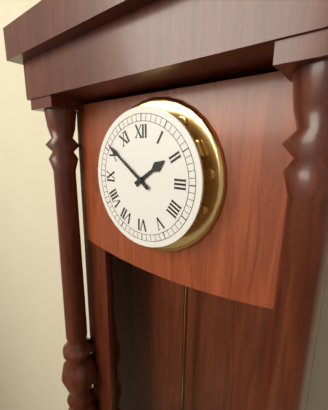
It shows 1,51
